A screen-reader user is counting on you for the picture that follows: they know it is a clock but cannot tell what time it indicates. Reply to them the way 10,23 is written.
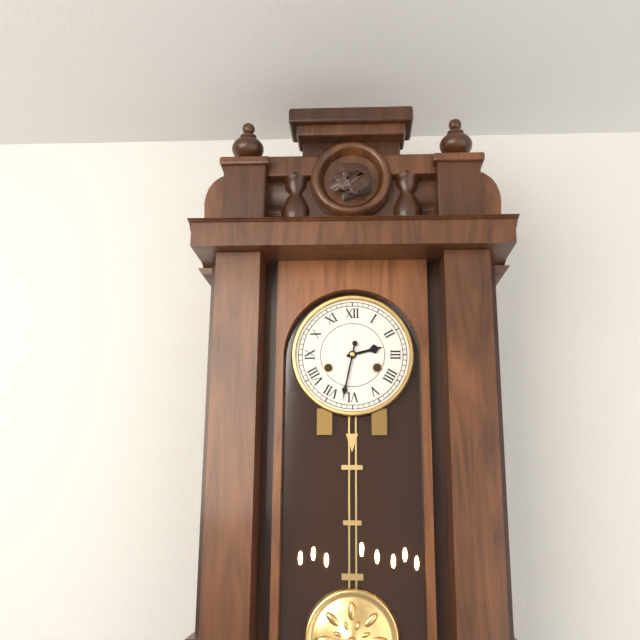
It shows 2,32
